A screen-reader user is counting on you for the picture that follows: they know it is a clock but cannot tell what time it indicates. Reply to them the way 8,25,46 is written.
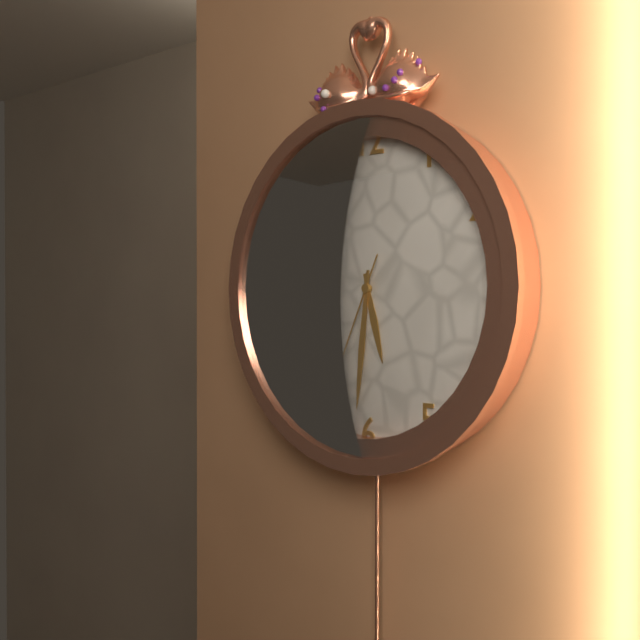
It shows 5,31,34
